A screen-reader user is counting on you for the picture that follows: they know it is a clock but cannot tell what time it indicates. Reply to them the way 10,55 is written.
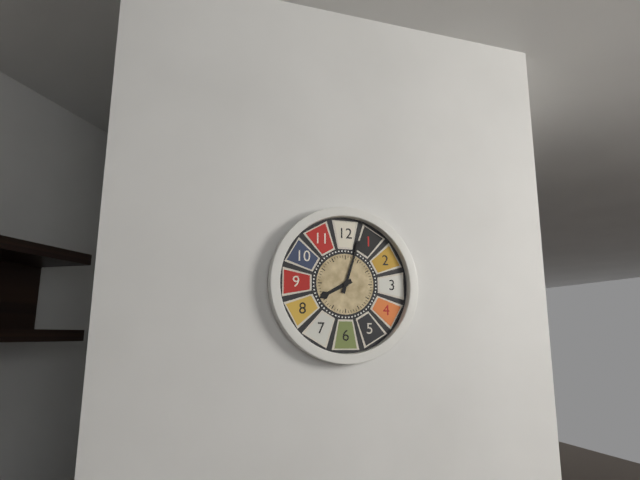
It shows 8,03
